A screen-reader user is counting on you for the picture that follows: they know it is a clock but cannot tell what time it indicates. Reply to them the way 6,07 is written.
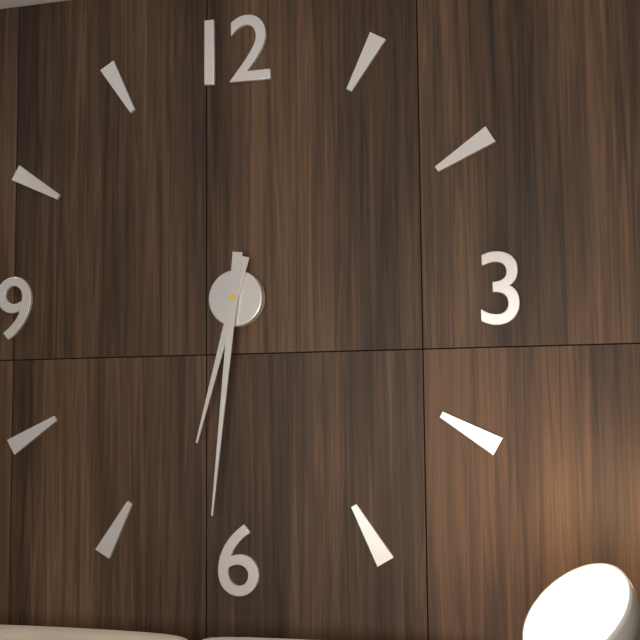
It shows 6,31
